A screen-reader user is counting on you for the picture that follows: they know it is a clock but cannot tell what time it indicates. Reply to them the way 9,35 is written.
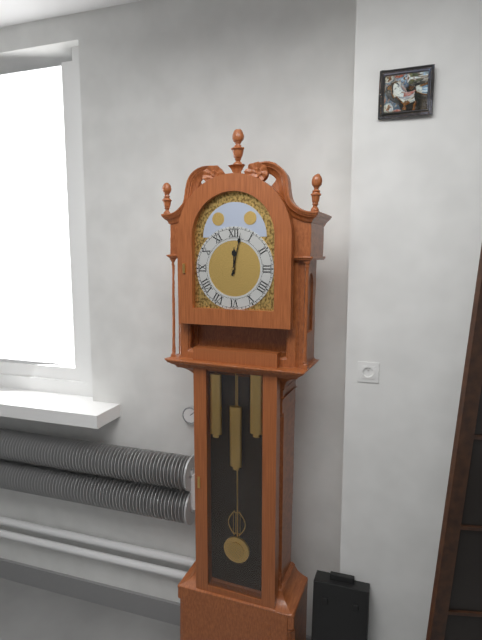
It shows 12,02
